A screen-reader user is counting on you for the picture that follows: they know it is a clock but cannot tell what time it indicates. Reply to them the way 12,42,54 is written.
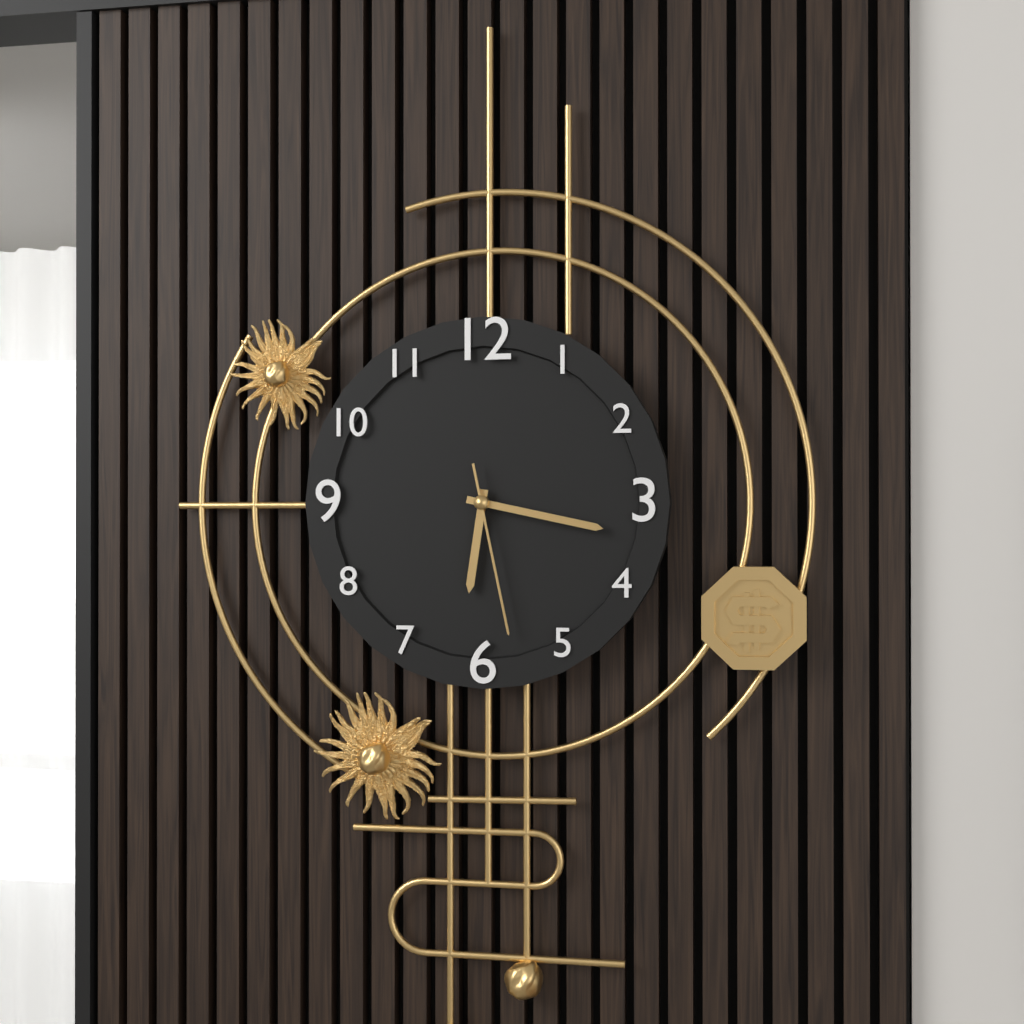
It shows 6,17,28
